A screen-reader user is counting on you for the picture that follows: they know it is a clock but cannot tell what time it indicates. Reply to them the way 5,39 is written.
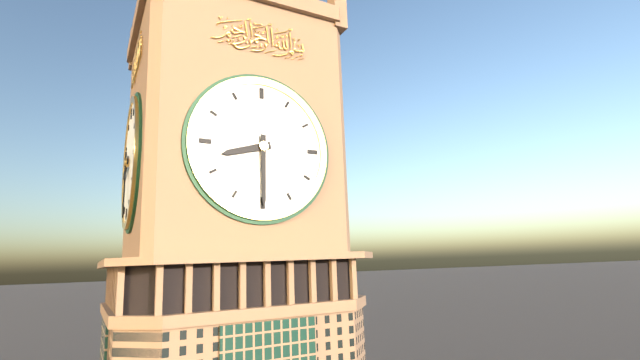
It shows 8,30
